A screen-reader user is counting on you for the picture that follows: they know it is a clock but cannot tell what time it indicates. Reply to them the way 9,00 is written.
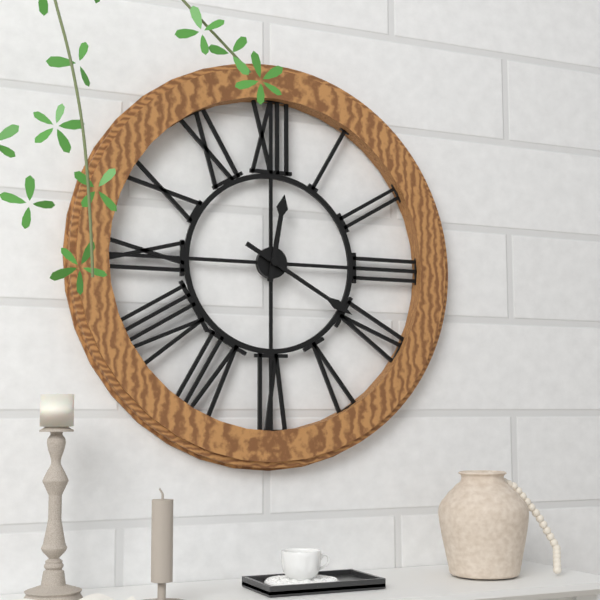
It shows 12,20
